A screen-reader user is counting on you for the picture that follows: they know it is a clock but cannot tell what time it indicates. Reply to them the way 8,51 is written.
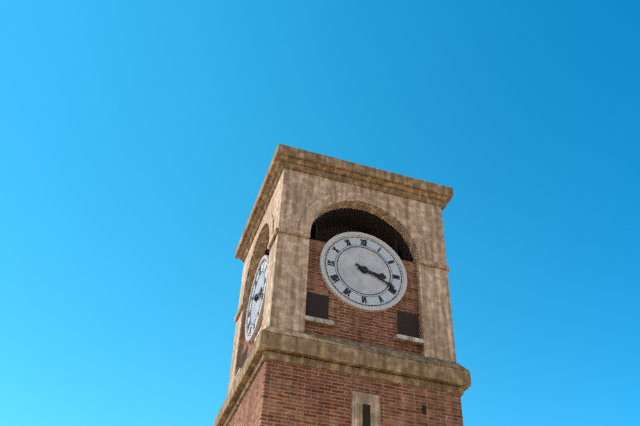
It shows 3,19
